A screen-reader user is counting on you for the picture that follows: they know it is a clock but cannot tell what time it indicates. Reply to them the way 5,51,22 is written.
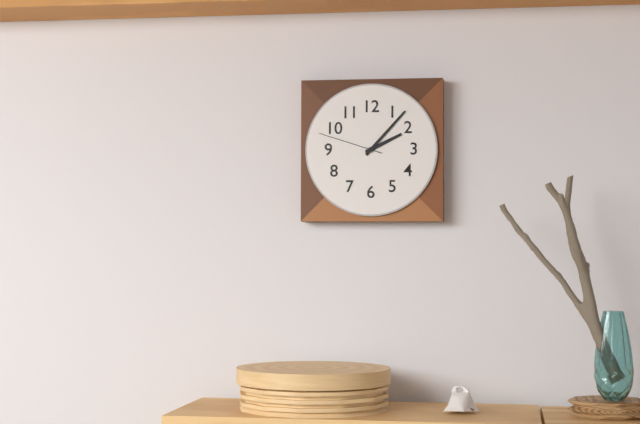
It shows 2,07,48
